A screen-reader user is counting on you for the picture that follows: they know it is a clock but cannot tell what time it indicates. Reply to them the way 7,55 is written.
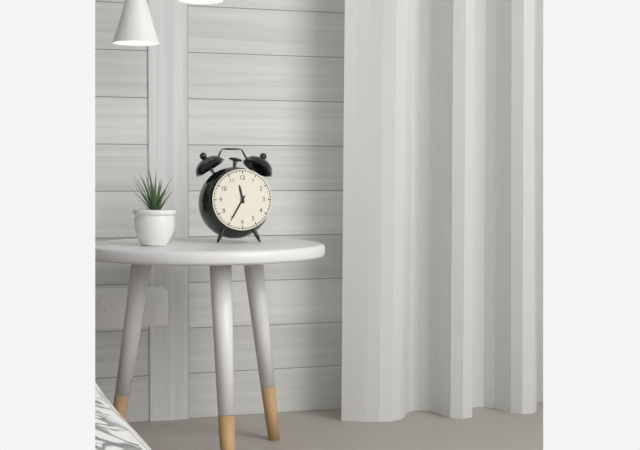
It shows 11,35
